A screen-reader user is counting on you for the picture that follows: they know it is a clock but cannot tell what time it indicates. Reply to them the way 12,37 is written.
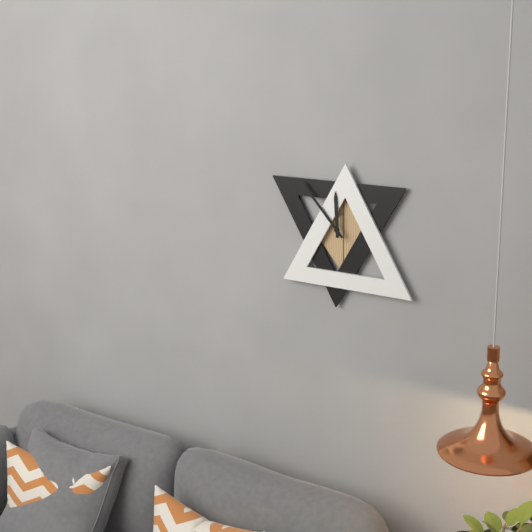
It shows 11,53
